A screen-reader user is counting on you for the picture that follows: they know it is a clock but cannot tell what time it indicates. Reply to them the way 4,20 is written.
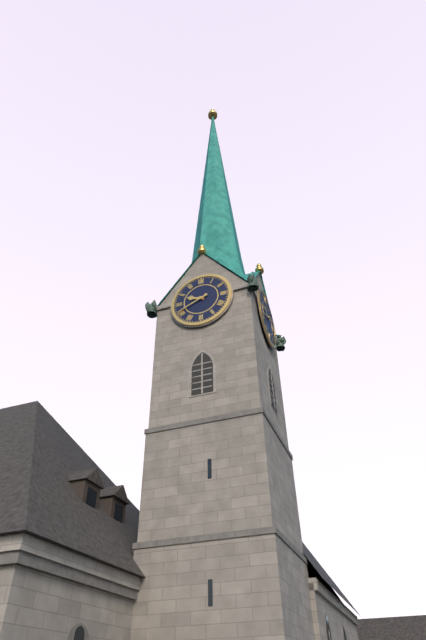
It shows 9,41
